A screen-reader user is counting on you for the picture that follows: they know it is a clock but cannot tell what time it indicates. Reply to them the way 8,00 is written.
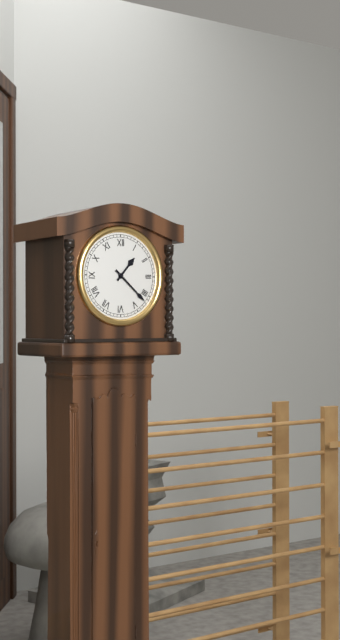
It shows 1,22
